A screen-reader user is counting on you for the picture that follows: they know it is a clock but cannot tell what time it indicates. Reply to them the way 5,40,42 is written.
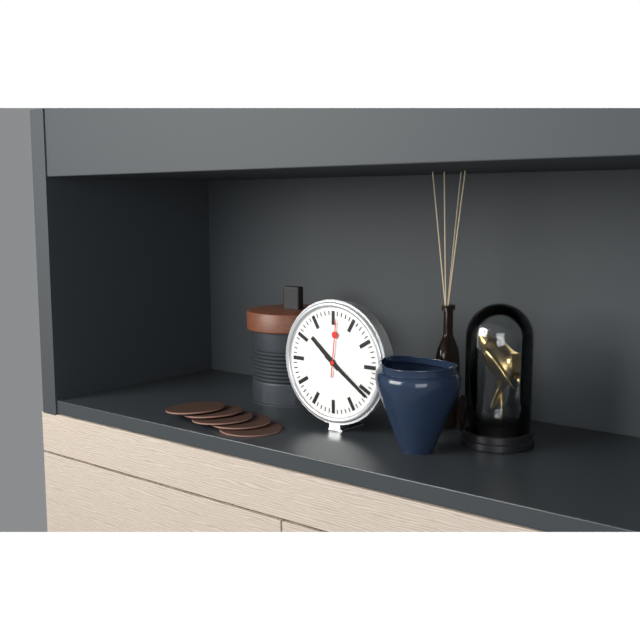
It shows 10,21,01
